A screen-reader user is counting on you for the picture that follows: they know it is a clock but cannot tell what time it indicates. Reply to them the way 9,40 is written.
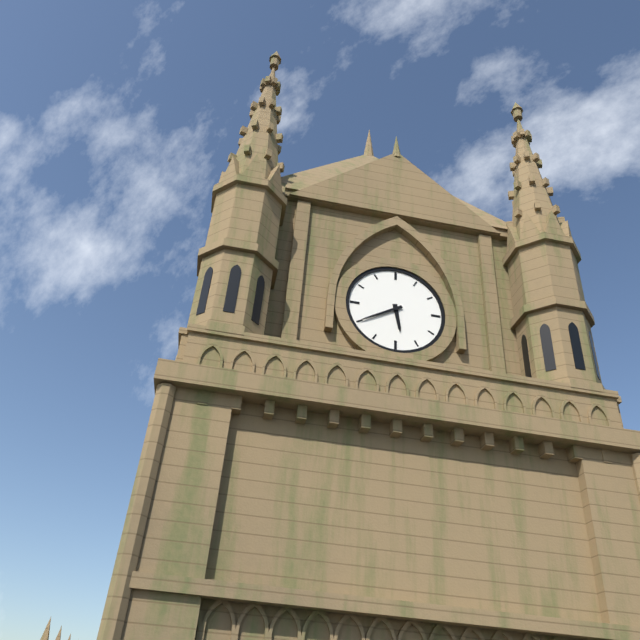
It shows 5,40
